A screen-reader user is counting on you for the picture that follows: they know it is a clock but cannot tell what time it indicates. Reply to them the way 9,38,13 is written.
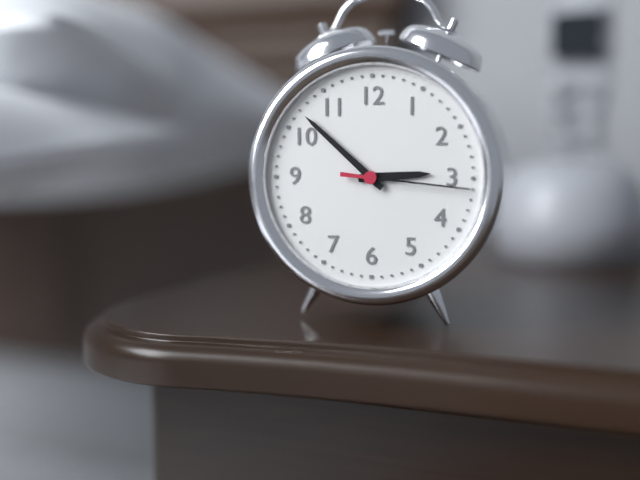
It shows 2,52,16
